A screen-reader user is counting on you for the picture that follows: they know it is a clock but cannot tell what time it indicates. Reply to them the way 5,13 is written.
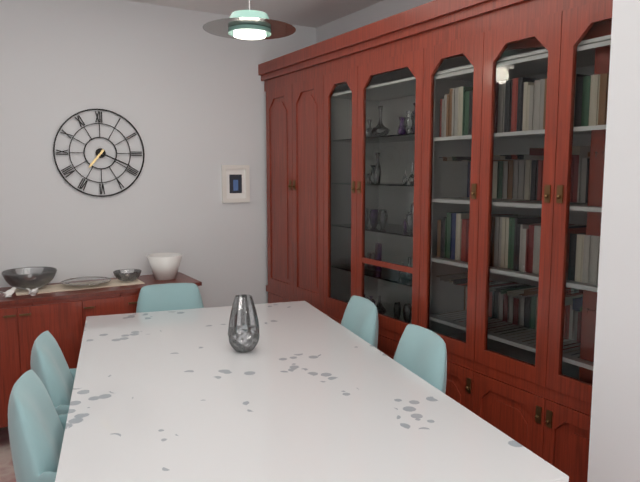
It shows 7,19
